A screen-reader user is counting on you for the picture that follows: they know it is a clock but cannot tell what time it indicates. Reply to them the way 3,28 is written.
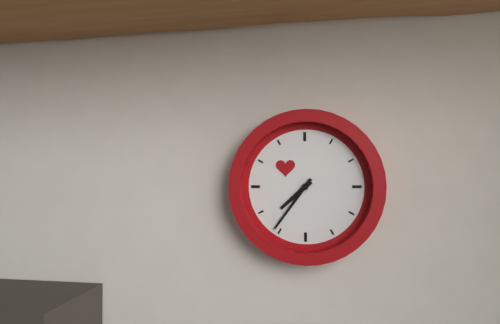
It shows 7,36
